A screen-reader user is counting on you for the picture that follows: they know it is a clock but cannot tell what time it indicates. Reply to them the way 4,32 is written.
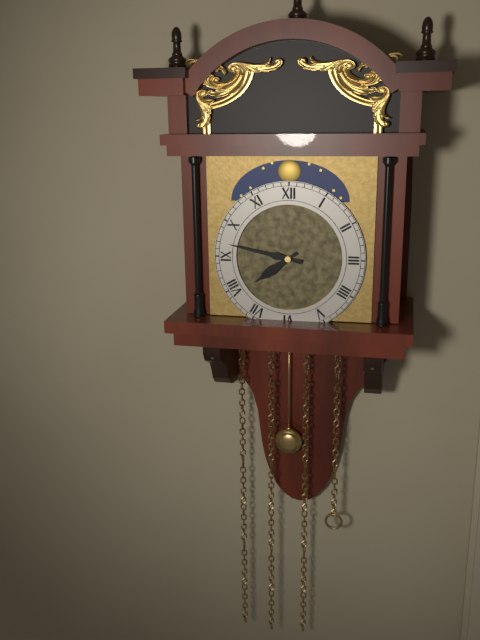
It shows 7,47
